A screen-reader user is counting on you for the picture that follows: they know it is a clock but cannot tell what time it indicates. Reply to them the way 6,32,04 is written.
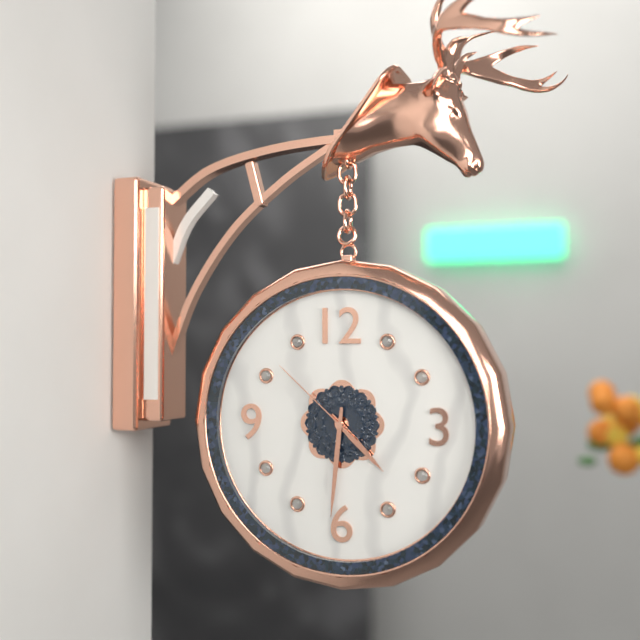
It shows 4,31,52
